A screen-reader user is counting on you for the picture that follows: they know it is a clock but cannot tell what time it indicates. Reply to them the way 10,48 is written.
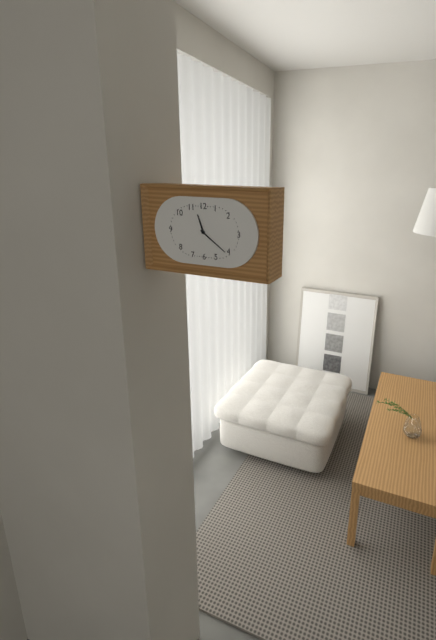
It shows 11,21
